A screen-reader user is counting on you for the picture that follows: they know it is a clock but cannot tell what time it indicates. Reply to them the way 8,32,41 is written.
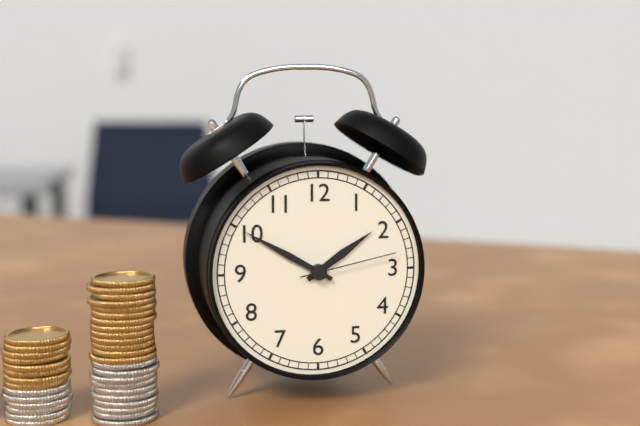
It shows 1,50,13
